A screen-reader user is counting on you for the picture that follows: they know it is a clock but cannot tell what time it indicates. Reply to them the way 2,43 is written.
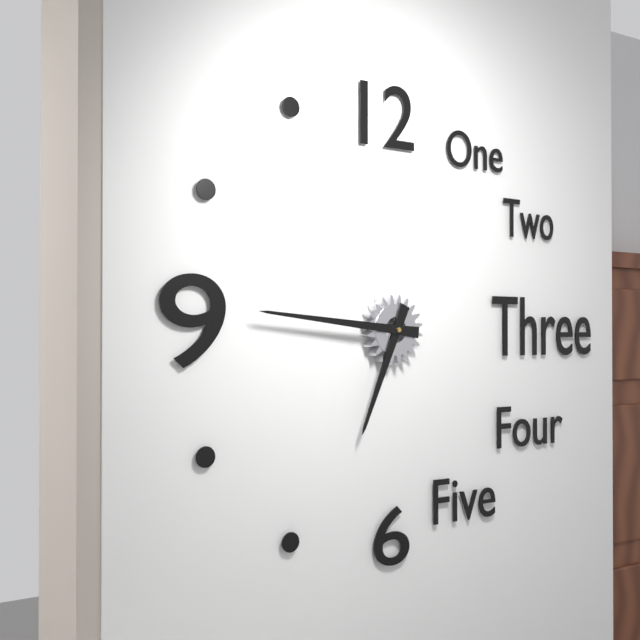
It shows 6,46
